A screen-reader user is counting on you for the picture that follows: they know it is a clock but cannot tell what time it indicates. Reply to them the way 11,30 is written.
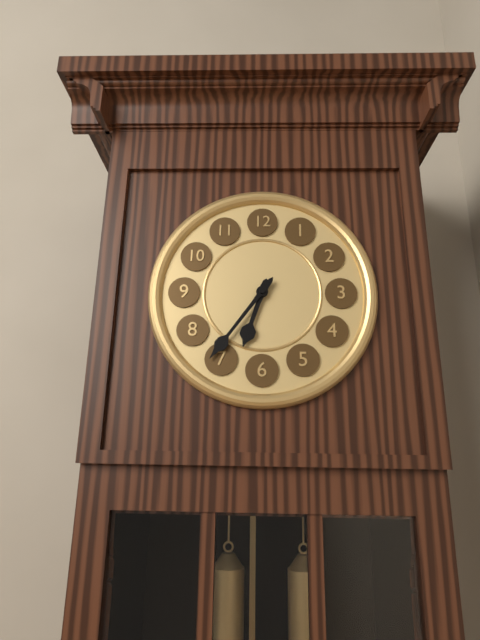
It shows 6,36
